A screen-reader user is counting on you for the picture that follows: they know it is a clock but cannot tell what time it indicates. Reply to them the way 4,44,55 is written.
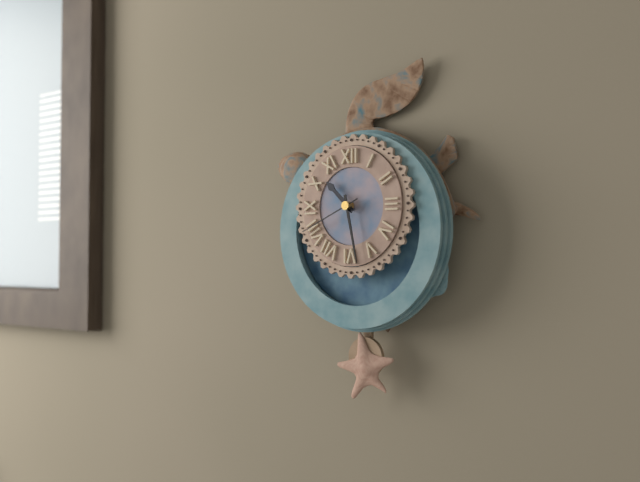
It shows 10,28,41
